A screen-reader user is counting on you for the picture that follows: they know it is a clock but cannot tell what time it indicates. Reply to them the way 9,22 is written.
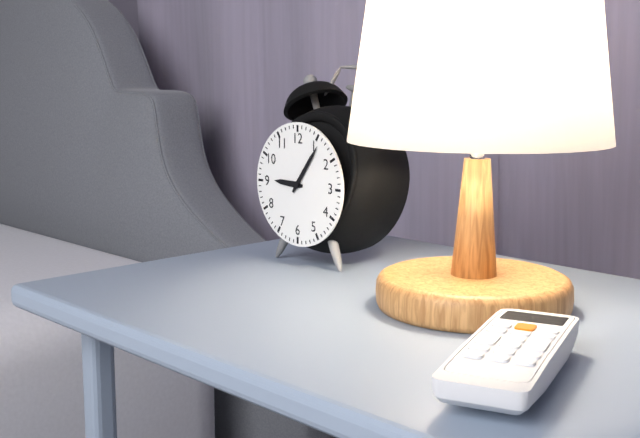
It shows 9,06
